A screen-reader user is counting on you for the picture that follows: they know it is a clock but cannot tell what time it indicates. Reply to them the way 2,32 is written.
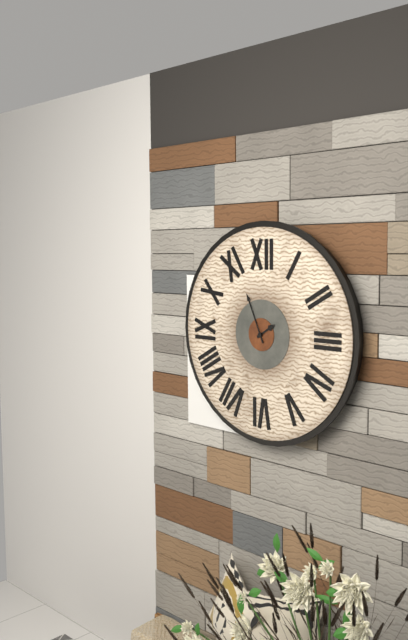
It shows 1,56
